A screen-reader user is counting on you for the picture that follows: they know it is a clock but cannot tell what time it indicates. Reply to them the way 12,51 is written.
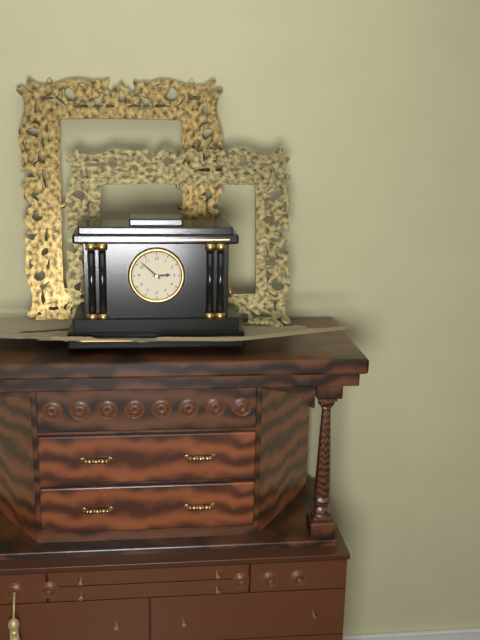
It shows 2,52
